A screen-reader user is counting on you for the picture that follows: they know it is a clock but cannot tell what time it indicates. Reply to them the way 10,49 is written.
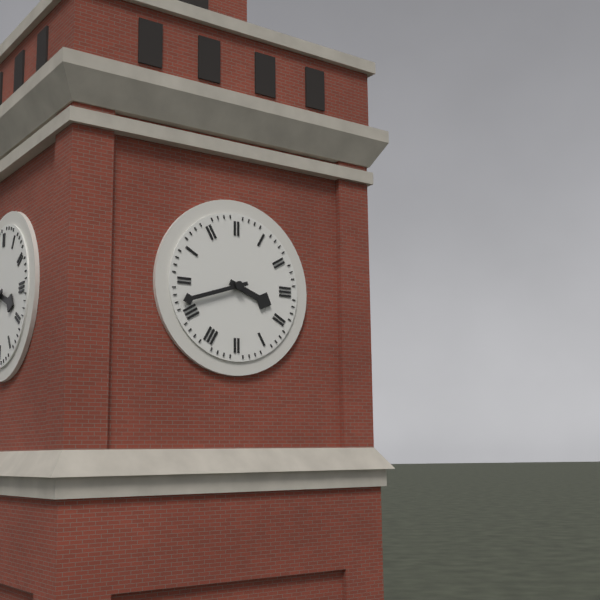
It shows 3,42
